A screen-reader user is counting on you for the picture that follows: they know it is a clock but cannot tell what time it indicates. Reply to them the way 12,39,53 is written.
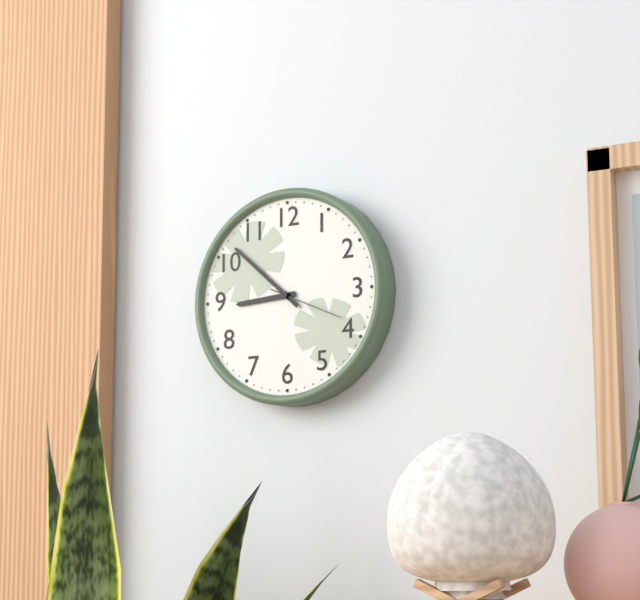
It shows 8,52,19
